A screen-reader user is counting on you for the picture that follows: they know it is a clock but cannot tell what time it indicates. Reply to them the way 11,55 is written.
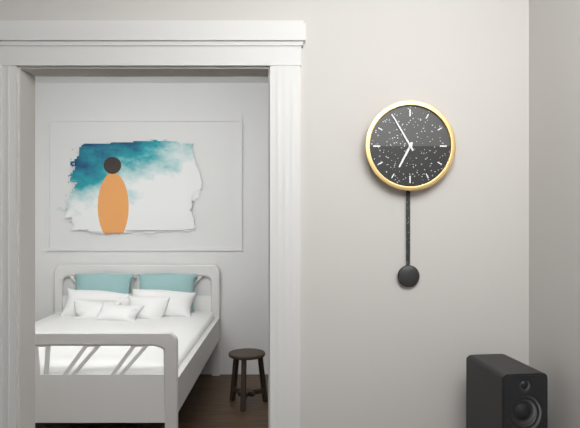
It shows 6,55
